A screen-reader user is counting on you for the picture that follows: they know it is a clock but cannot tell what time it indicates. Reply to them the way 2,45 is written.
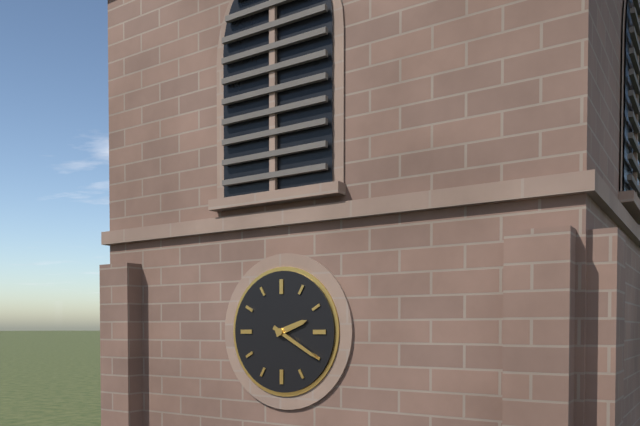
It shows 2,20
